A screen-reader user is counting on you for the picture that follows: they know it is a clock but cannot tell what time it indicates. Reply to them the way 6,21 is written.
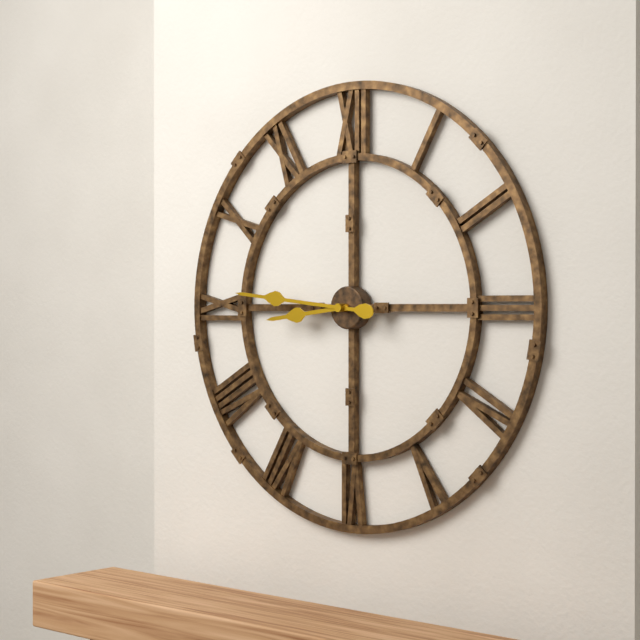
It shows 8,46
